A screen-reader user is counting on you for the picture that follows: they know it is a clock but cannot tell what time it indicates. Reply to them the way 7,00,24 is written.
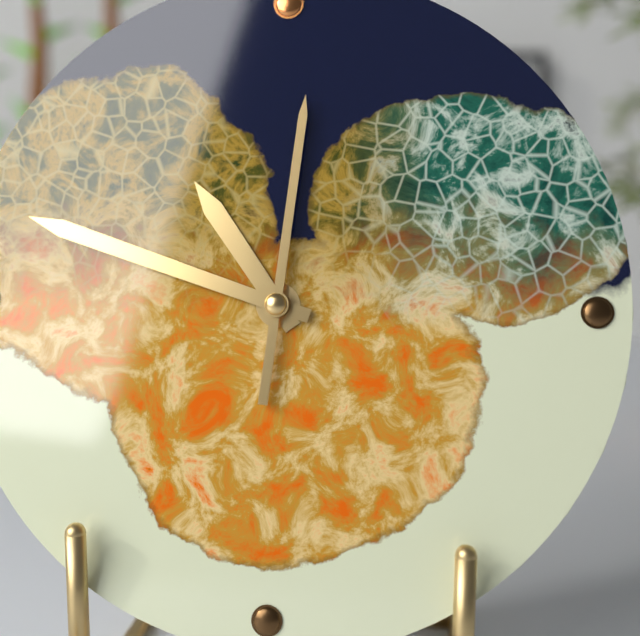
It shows 10,48,01
